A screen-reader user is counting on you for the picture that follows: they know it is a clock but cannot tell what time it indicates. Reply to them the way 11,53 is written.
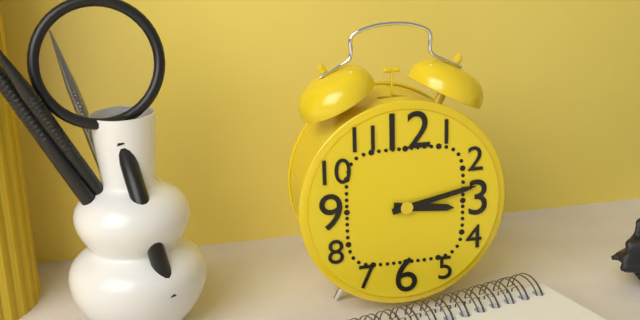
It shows 3,13
